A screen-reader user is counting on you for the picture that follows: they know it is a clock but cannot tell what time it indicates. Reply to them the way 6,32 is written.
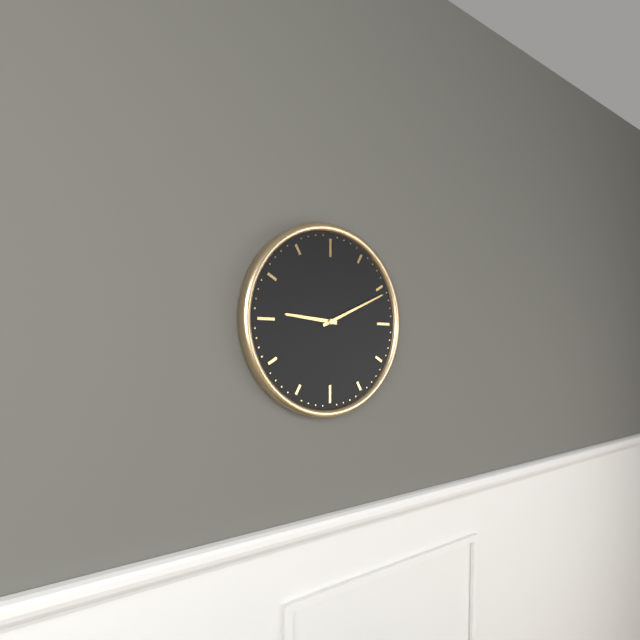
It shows 9,11
